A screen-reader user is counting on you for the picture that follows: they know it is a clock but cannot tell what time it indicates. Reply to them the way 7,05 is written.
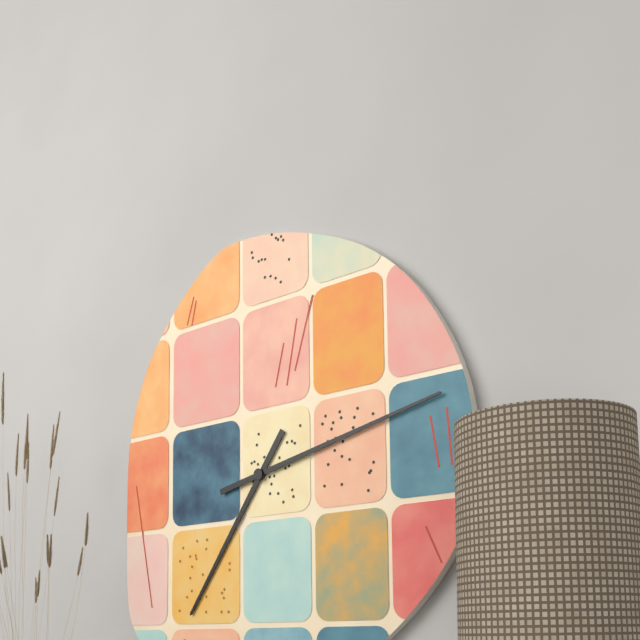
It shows 7,13
